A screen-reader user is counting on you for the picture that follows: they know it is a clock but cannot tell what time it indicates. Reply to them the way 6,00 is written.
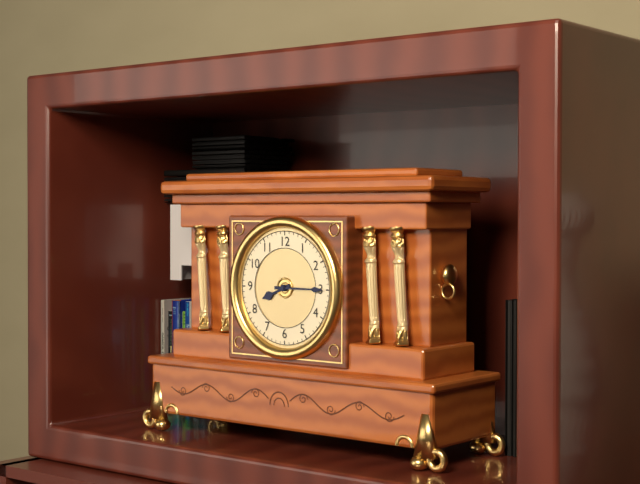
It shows 8,15
